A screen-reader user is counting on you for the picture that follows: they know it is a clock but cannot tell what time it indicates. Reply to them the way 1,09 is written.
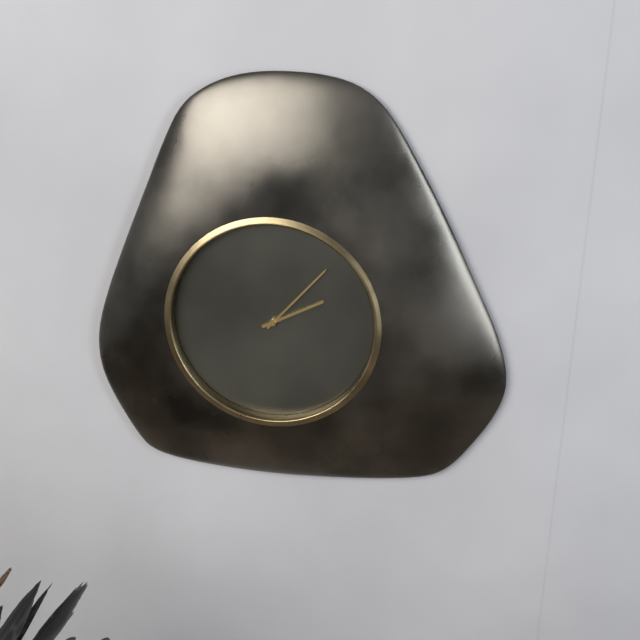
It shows 2,07
